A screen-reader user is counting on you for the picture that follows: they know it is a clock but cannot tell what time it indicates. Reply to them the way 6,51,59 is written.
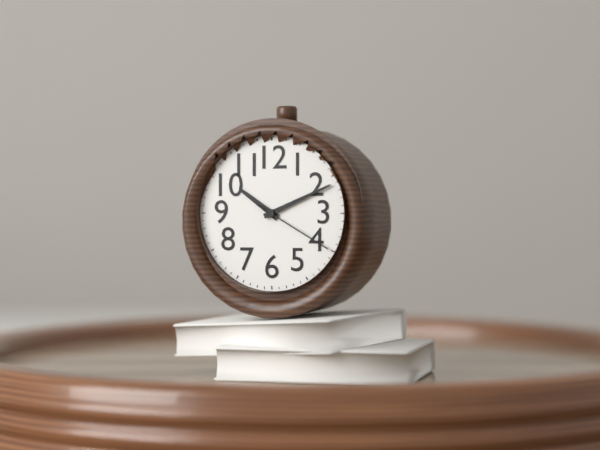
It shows 10,11,20
